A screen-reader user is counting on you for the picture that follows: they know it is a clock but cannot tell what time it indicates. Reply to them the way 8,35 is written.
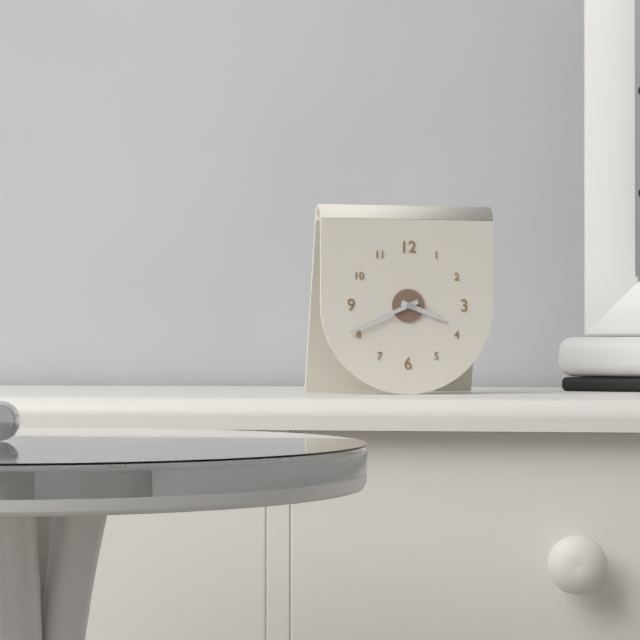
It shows 3,41
